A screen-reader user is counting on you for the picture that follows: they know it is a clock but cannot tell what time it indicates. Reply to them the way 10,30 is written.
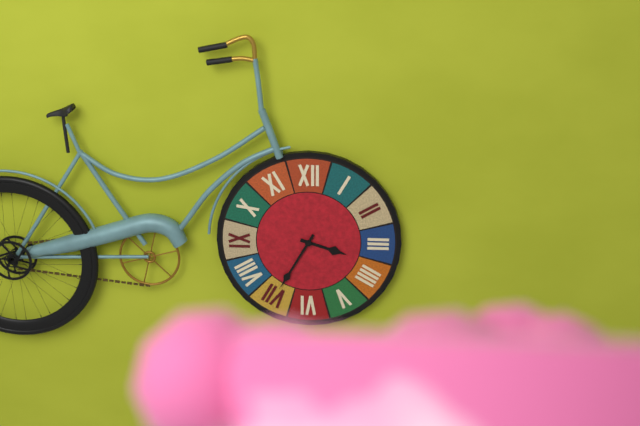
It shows 3,35
